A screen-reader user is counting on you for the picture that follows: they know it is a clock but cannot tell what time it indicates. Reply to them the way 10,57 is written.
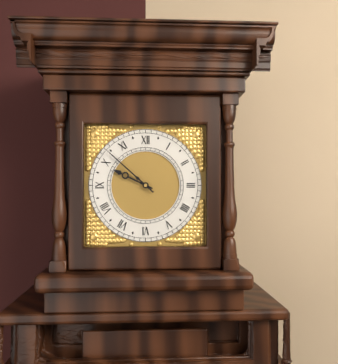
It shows 9,52
